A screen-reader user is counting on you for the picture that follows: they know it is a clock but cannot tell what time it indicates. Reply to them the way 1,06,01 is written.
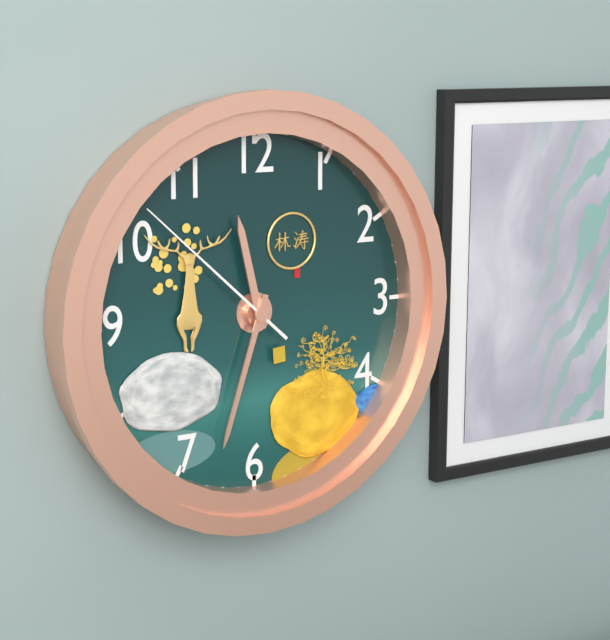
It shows 11,33,52
